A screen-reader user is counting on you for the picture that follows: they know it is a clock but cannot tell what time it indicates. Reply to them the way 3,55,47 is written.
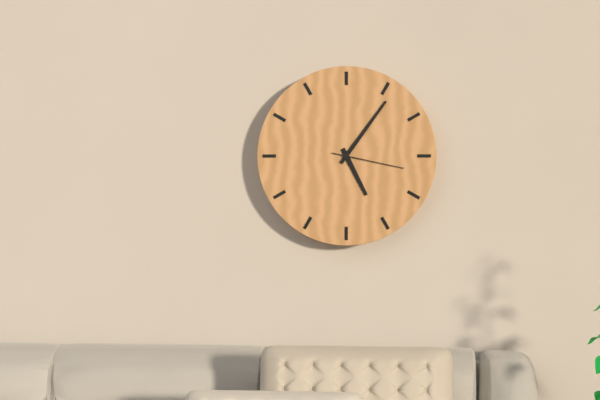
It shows 5,06,17
